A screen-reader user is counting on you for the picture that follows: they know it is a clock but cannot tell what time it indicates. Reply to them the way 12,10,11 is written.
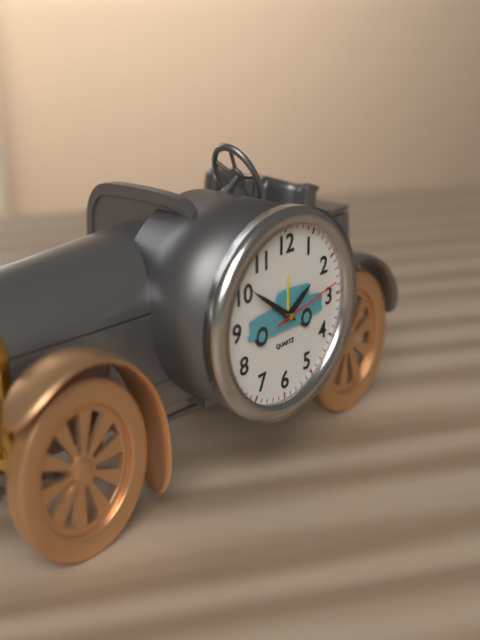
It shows 1,51,13
